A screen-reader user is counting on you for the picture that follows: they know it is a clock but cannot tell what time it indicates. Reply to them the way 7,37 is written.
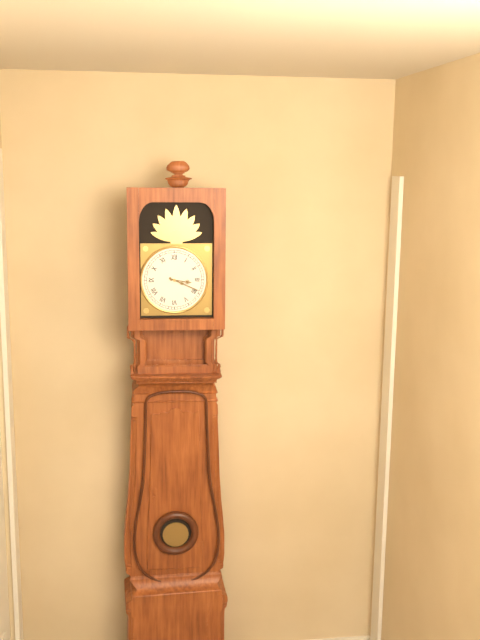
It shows 3,19
